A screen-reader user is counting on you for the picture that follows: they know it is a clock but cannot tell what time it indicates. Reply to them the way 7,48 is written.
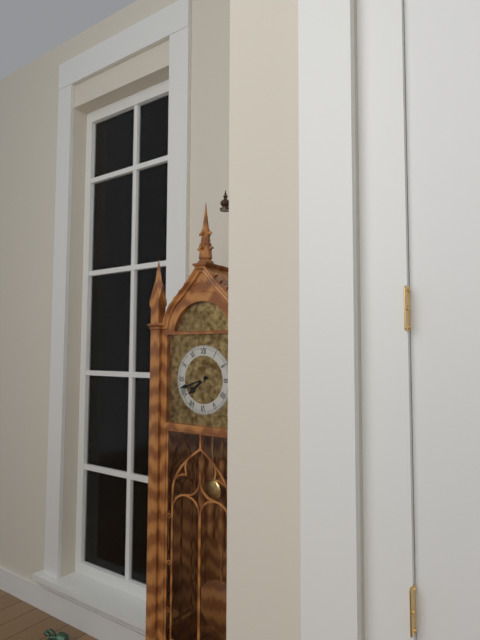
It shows 7,42
